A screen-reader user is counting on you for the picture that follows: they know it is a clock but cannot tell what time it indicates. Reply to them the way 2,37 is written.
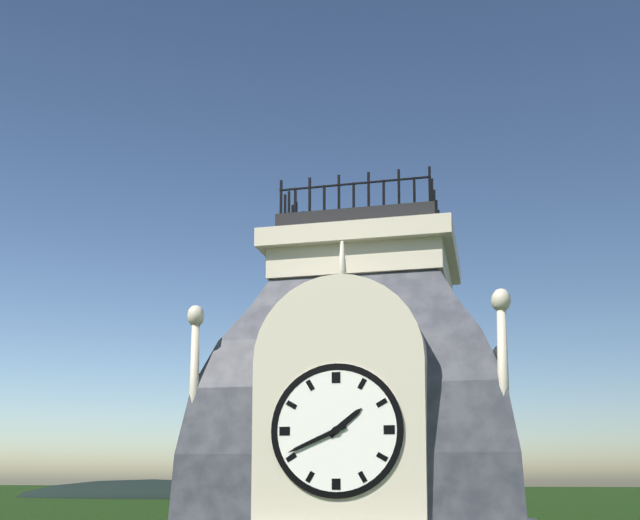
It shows 1,41
